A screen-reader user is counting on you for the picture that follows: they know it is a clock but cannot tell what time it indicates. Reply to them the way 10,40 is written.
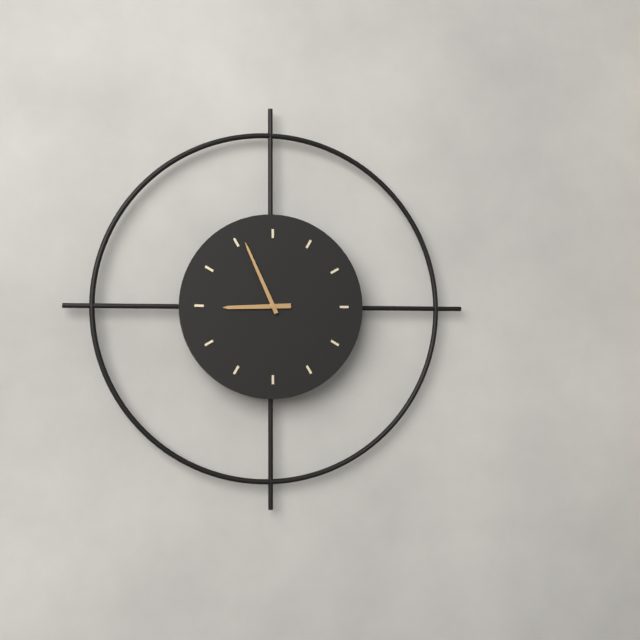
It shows 8,56
